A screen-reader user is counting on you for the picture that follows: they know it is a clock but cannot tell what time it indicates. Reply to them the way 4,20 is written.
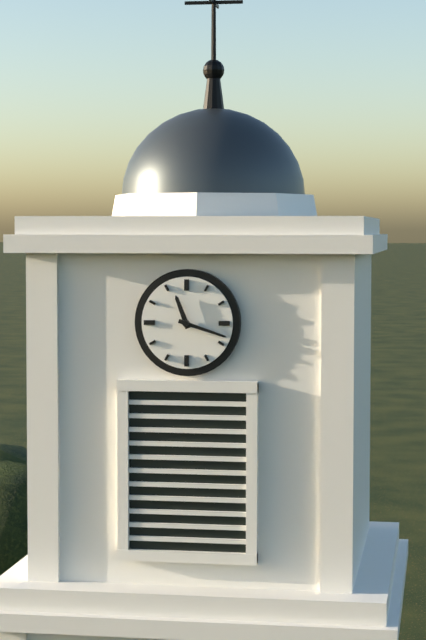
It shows 11,18
